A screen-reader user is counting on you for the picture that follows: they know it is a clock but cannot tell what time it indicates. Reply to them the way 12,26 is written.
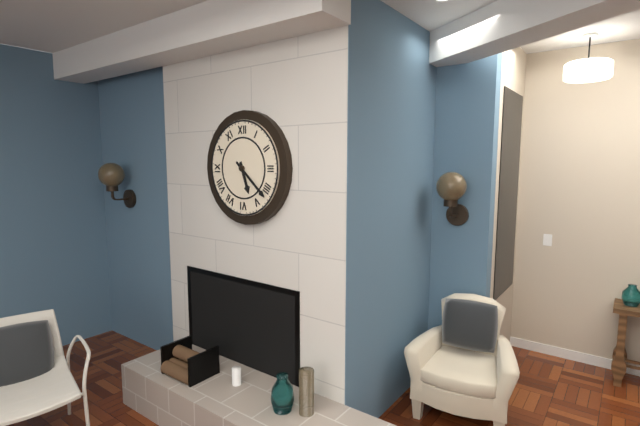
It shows 5,22
